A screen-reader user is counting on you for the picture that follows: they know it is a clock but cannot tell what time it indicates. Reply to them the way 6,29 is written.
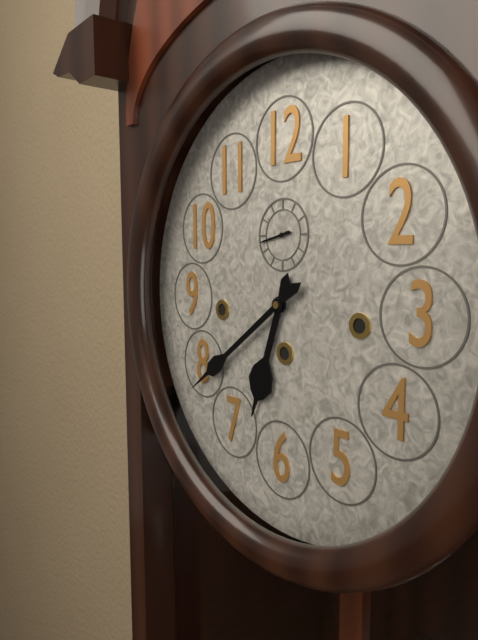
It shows 6,39
